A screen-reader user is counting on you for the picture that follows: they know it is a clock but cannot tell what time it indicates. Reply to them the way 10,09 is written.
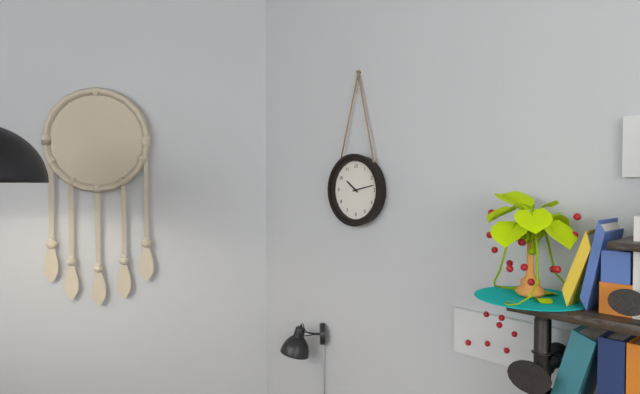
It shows 10,13
